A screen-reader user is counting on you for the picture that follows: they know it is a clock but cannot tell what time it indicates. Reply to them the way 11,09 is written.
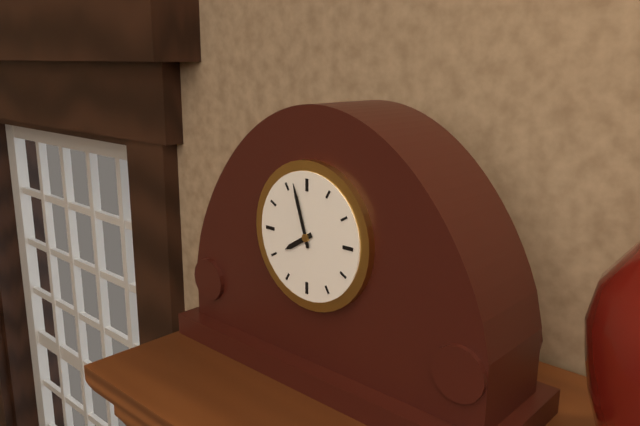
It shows 7,57
